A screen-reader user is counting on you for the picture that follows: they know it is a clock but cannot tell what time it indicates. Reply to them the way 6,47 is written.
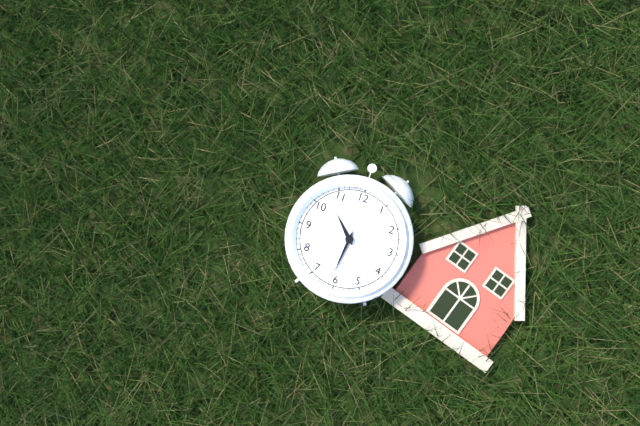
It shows 10,31
